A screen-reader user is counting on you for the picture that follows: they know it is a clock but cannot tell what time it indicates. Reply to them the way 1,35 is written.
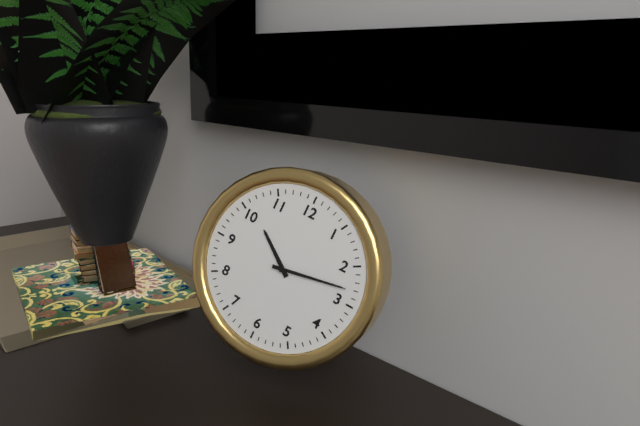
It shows 10,13
